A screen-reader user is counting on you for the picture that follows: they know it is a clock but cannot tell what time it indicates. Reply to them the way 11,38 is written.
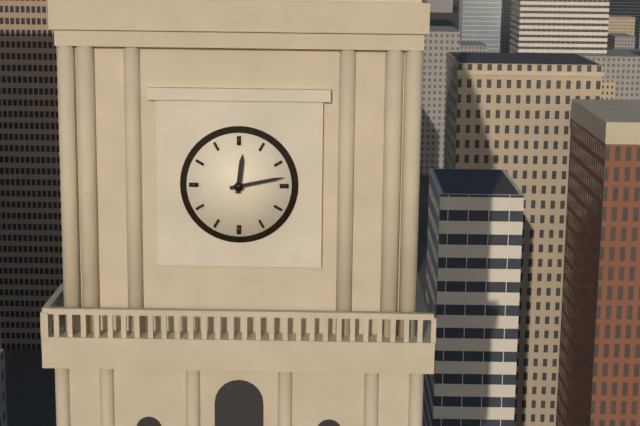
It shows 12,13
